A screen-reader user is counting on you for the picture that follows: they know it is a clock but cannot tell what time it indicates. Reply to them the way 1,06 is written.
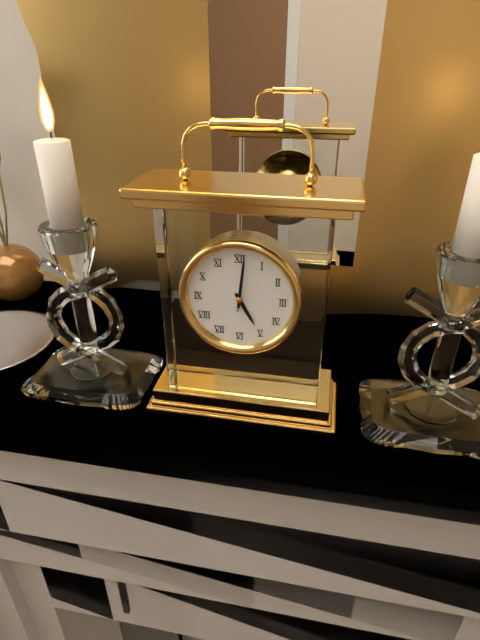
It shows 5,01
